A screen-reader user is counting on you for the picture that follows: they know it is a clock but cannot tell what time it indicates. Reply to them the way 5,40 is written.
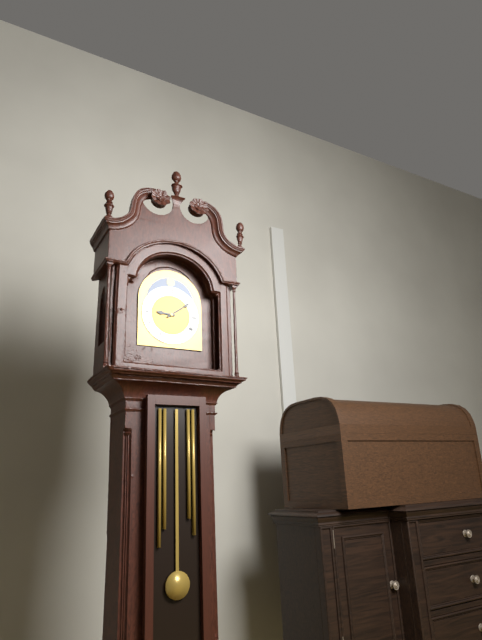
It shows 9,09
